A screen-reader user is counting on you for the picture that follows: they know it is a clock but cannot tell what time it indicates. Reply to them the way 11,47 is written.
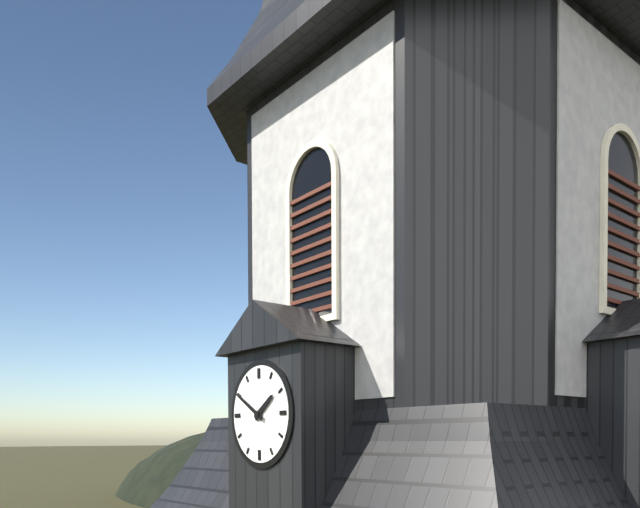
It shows 1,50
